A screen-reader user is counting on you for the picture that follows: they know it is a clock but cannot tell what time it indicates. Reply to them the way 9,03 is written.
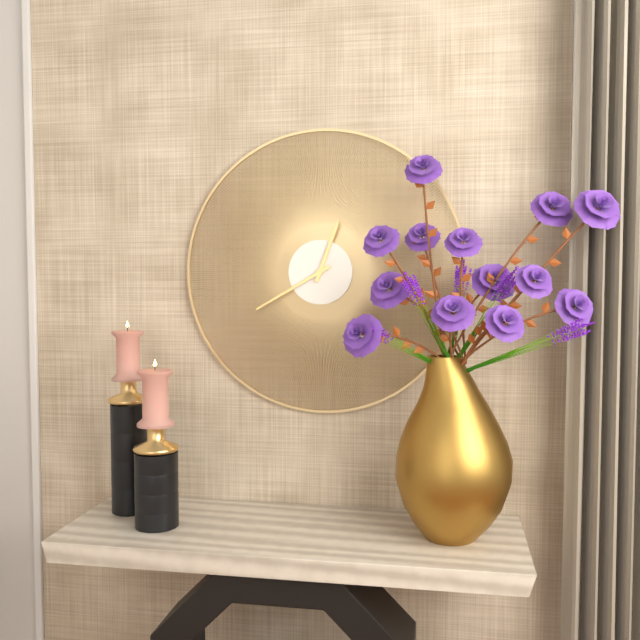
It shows 12,40
